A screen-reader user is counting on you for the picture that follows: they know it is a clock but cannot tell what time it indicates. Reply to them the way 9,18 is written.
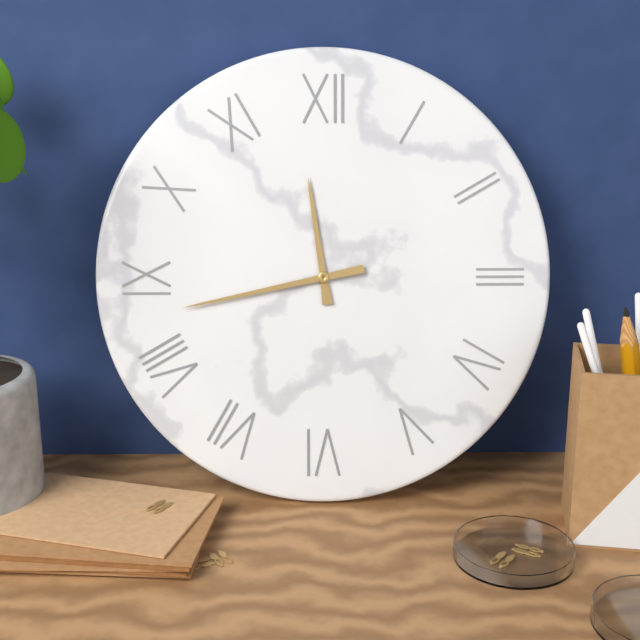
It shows 11,43
